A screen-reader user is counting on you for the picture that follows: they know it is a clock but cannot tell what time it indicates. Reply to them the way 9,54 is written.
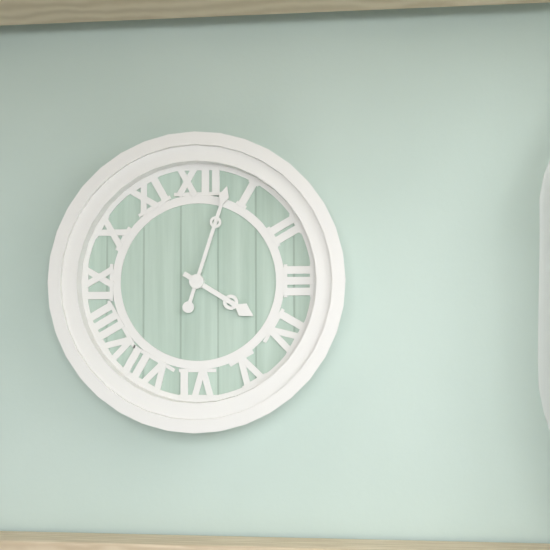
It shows 4,03
